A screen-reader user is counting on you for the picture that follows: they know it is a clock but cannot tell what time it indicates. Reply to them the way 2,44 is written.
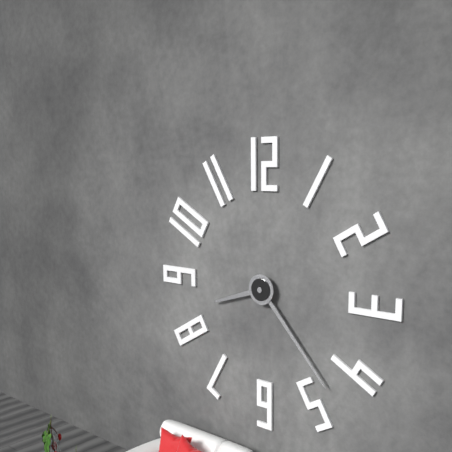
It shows 8,23
